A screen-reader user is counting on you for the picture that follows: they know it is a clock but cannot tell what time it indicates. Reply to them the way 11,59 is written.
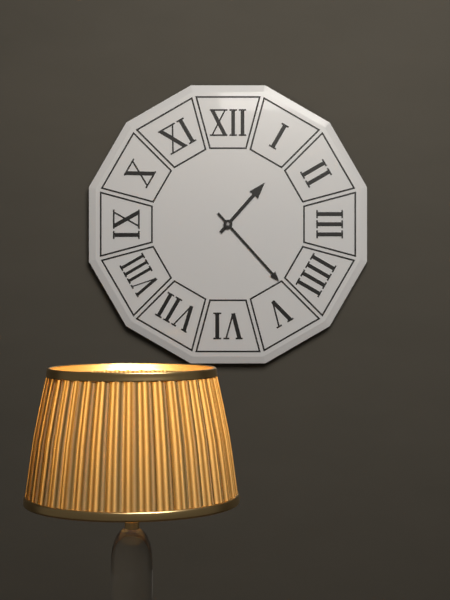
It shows 1,23
